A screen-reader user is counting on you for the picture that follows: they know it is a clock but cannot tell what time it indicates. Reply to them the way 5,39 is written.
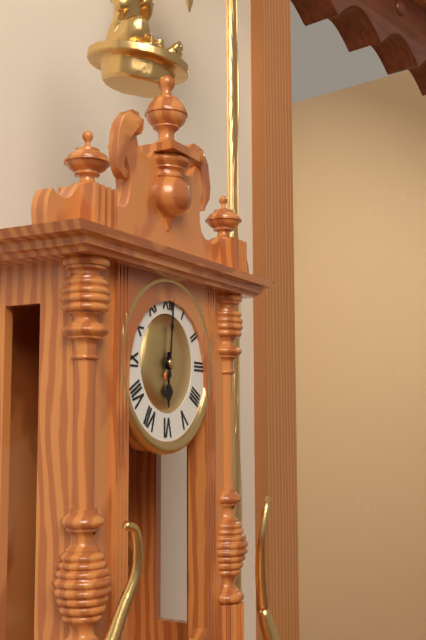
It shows 6,01
